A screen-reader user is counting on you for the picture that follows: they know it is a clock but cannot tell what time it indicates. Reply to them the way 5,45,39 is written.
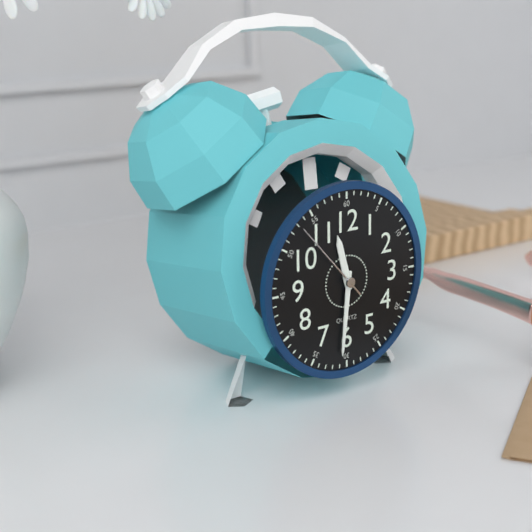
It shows 11,31,53
